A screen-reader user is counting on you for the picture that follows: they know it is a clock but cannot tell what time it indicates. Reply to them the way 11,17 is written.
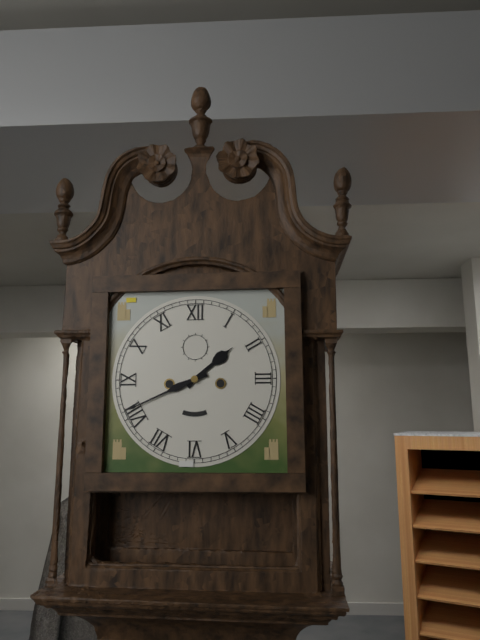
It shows 1,41
